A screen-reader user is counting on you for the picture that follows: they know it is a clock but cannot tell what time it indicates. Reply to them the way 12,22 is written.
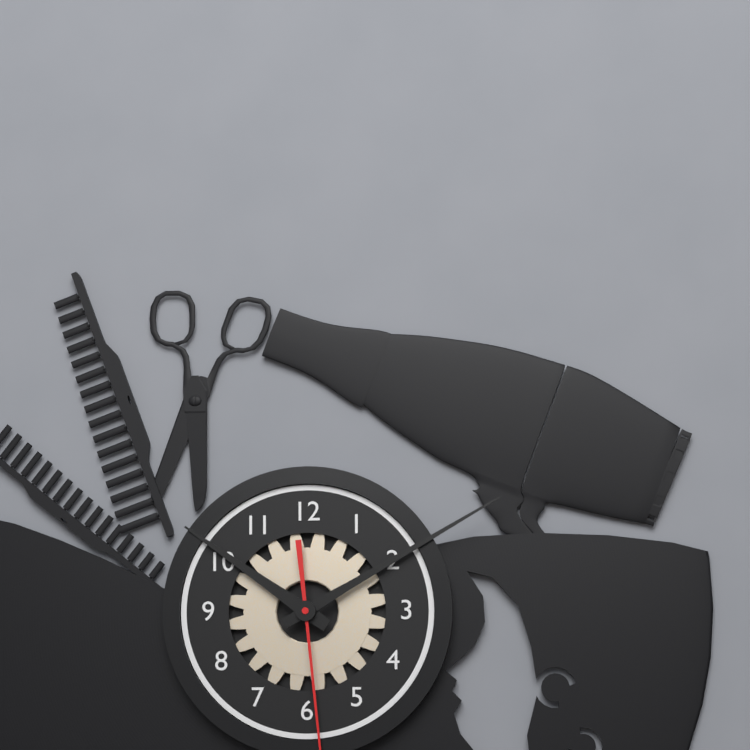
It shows 10,10
